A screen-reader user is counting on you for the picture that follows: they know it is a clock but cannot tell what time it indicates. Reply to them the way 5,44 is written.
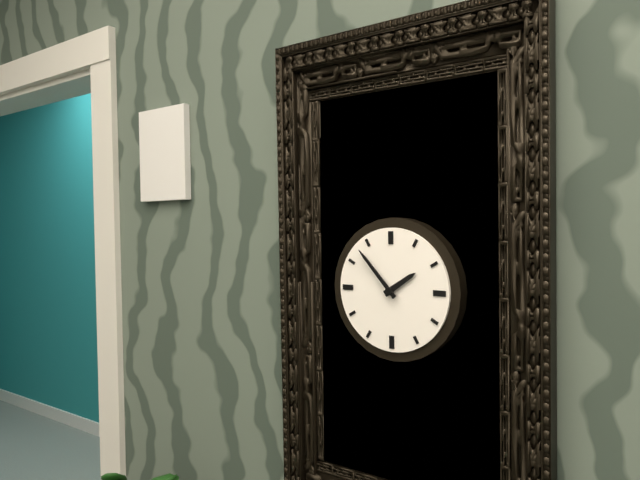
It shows 1,53
